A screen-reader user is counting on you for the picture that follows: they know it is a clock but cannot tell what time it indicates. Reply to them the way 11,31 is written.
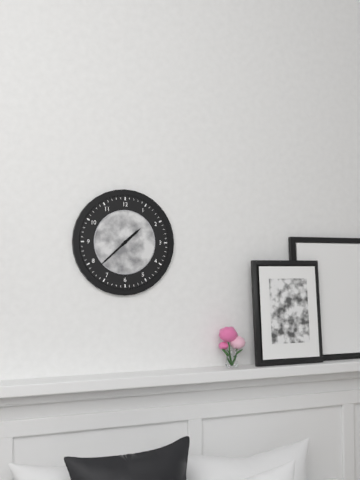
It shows 1,38
